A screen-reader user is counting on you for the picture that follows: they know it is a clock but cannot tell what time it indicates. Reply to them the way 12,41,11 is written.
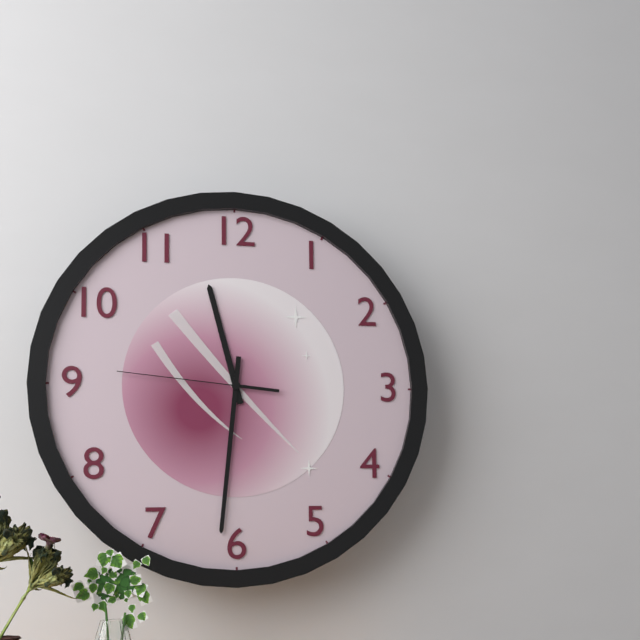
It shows 11,31,46
